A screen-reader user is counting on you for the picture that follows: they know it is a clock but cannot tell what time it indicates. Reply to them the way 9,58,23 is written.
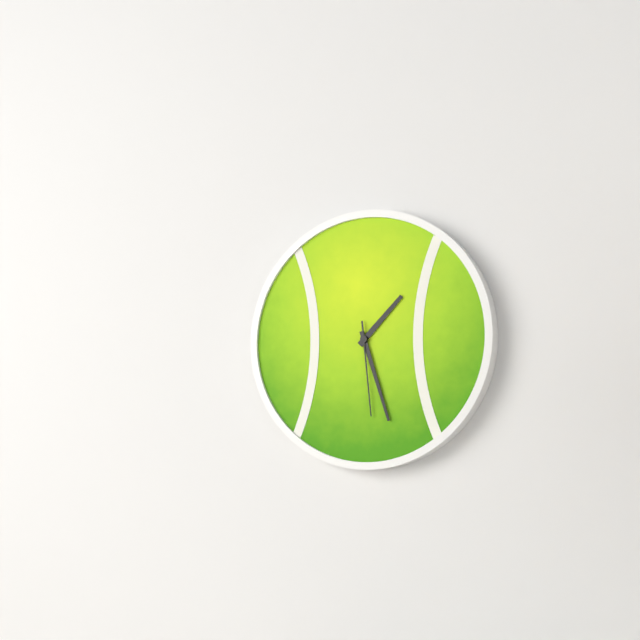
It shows 1,27,29
